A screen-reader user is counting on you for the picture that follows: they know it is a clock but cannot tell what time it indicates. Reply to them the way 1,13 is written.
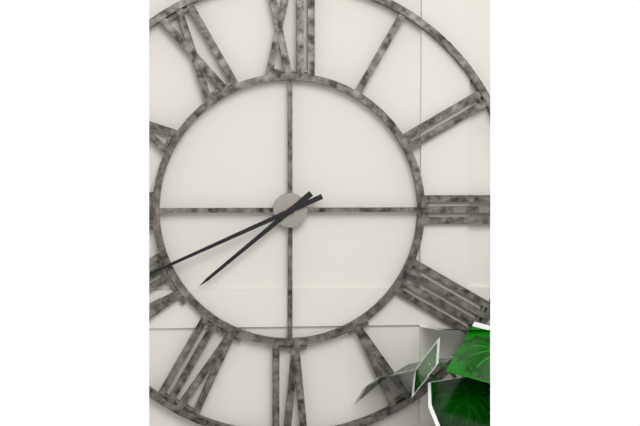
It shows 7,41
